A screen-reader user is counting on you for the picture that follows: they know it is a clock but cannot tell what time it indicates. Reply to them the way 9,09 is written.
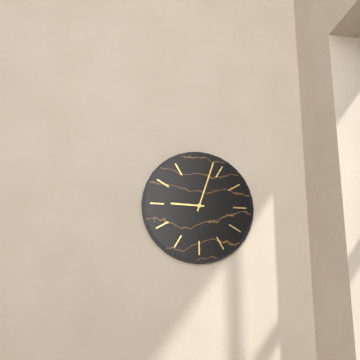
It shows 9,03
